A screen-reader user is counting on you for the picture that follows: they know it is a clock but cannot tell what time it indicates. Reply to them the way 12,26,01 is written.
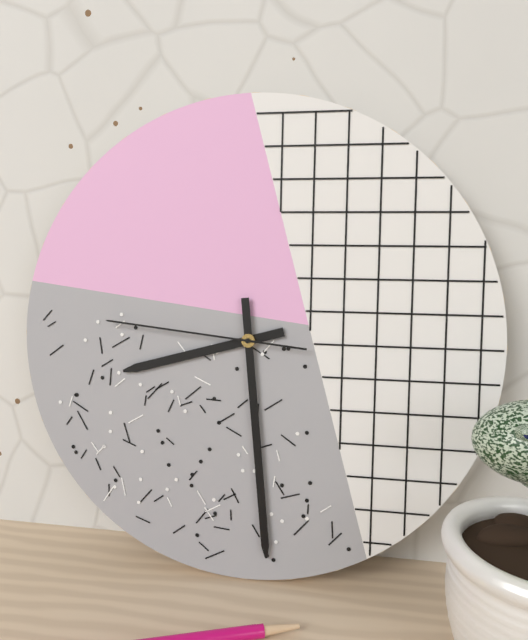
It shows 8,29,46
